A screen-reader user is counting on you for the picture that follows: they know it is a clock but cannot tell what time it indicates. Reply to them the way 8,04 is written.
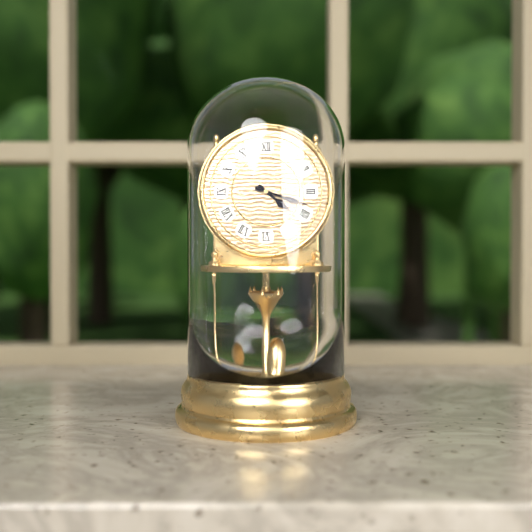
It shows 4,18
